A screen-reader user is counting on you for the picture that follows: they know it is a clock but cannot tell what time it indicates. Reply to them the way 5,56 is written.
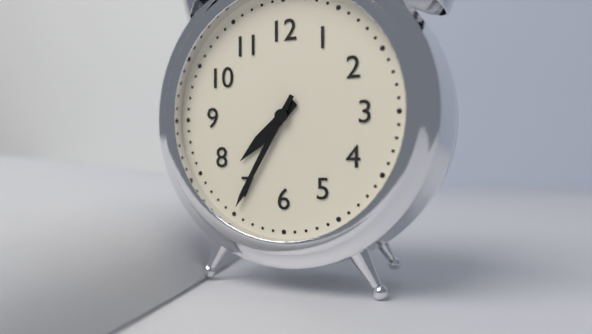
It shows 7,35
